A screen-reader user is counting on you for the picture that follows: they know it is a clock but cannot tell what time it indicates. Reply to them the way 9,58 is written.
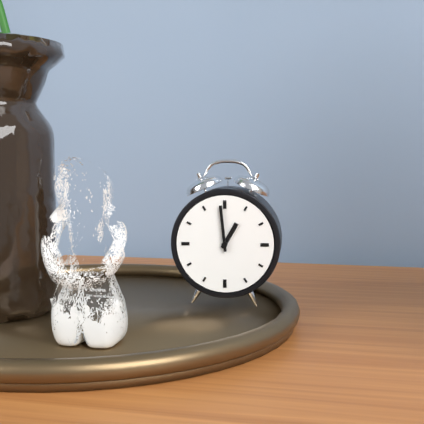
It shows 12,59
